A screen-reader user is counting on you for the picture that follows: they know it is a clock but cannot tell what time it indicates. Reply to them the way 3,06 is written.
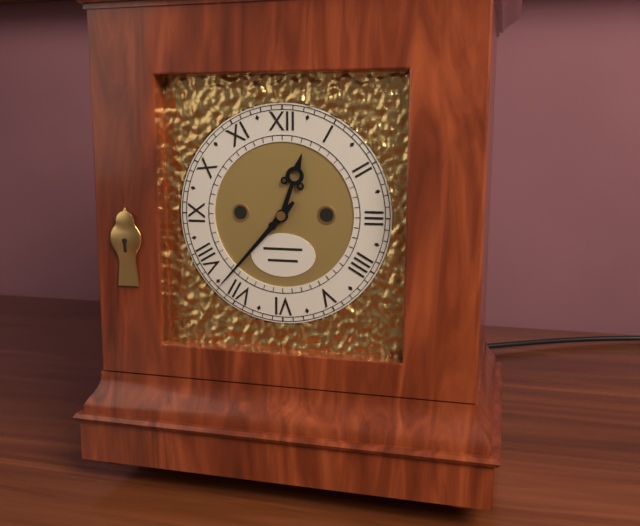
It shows 12,37
